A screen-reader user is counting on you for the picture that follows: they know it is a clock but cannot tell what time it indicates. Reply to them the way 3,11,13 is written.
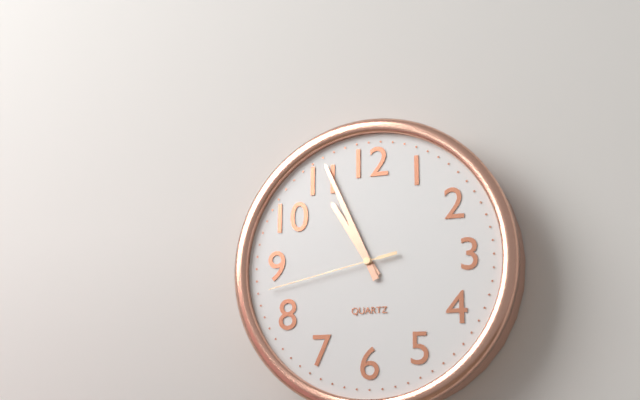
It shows 10,56,43
